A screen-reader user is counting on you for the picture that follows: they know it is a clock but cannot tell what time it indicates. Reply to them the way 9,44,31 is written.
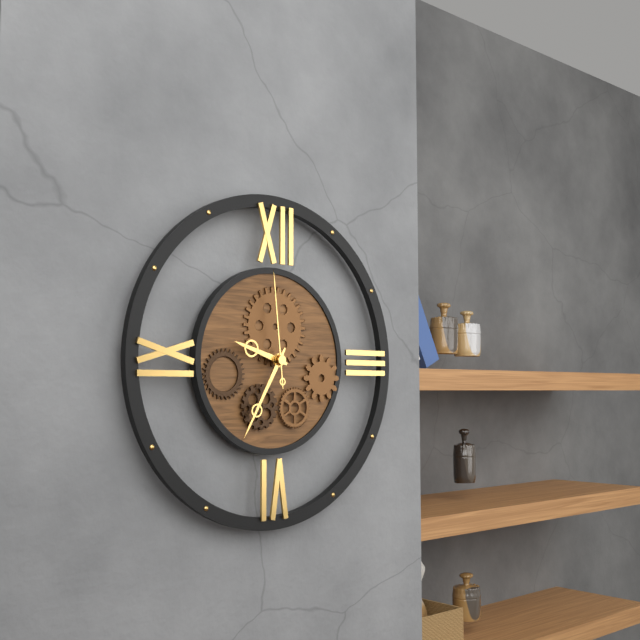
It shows 9,35,59
